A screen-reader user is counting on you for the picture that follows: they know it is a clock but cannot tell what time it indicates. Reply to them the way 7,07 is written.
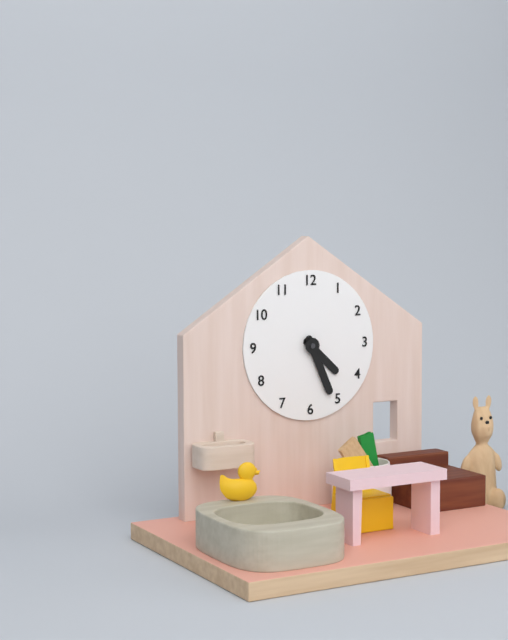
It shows 4,26
